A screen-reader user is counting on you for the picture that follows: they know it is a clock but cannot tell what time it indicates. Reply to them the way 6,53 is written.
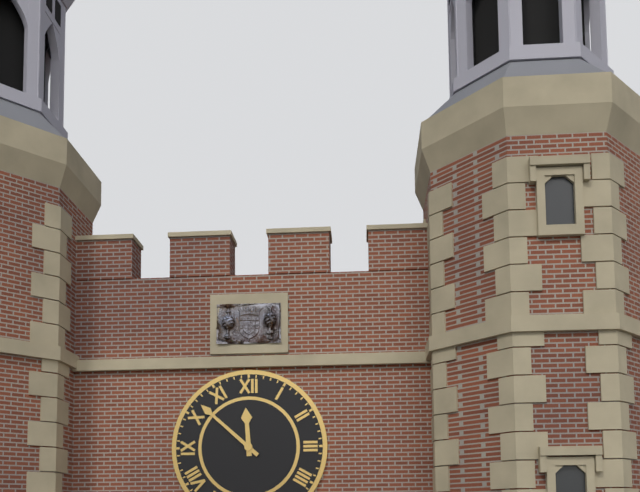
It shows 11,52
